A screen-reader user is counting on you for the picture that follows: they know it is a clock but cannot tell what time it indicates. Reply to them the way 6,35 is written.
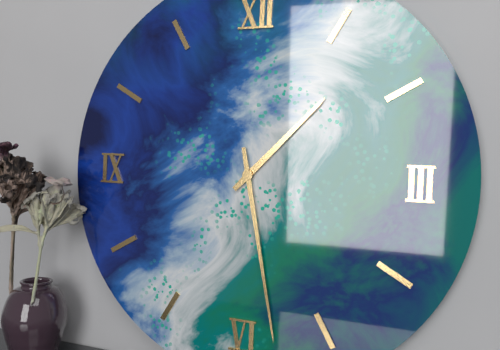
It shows 1,28
